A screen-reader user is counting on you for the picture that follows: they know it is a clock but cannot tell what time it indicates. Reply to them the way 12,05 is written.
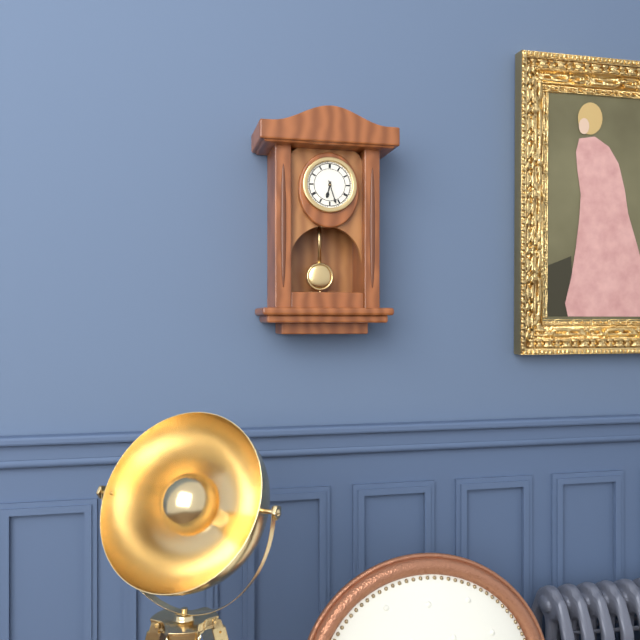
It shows 6,27
